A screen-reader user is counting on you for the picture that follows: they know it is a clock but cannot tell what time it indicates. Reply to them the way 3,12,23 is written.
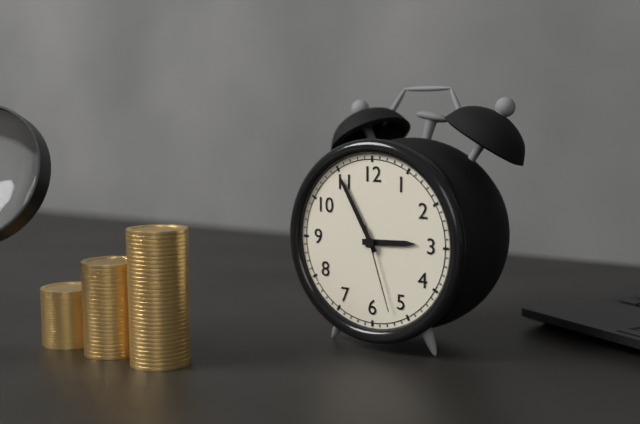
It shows 2,55,27
